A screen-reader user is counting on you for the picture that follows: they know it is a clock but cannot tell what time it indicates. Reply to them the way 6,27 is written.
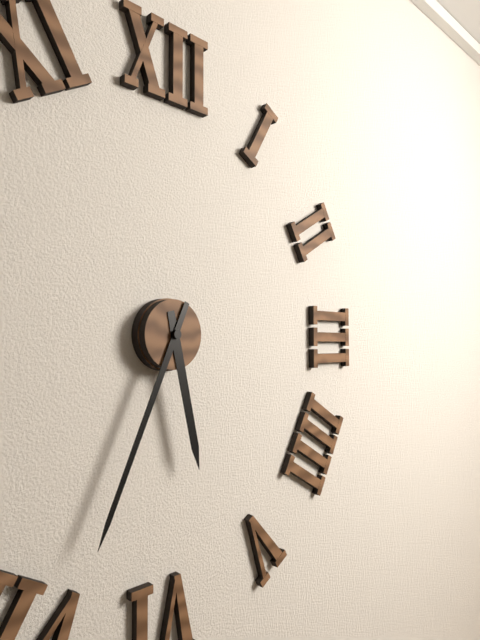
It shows 5,34
